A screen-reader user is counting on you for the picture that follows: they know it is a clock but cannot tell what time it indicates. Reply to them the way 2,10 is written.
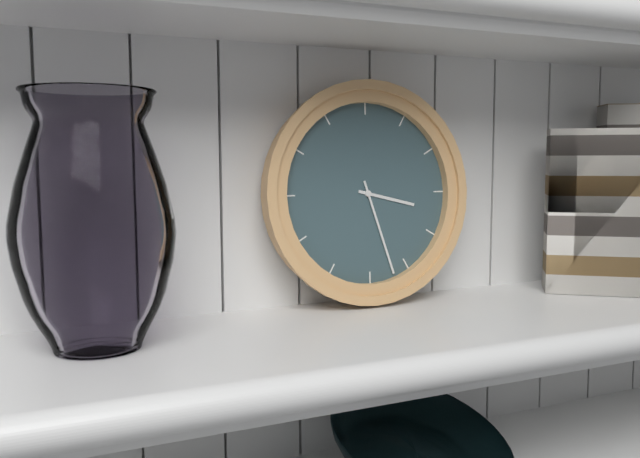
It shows 3,27
